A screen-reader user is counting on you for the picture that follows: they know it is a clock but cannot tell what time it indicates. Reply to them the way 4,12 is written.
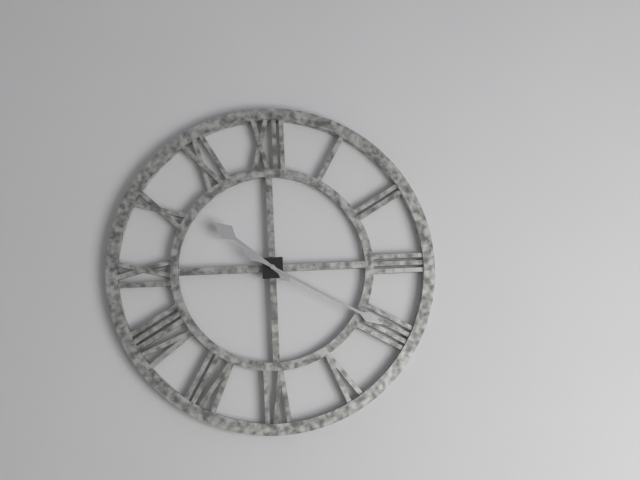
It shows 10,20
